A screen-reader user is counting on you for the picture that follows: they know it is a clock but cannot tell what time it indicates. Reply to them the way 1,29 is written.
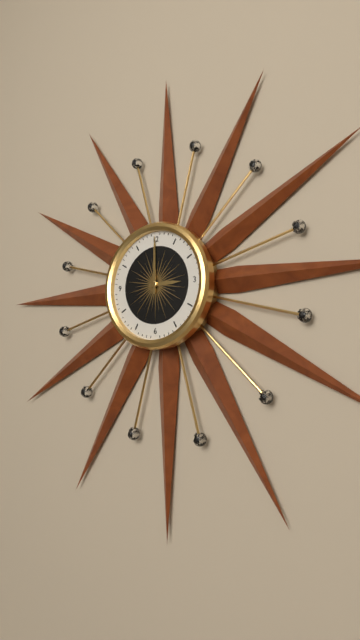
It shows 3,00
